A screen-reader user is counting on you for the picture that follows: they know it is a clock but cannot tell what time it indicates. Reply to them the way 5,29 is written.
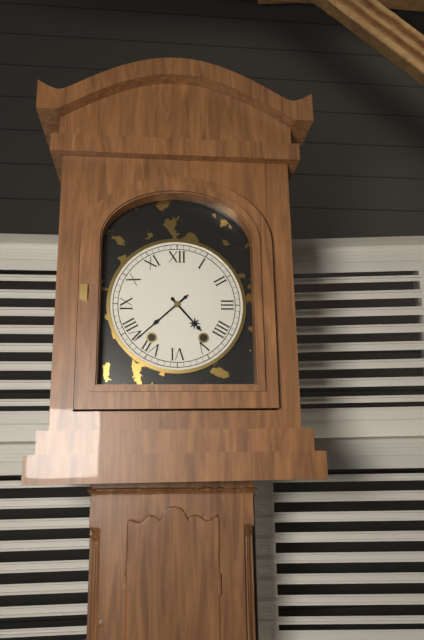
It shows 4,38
